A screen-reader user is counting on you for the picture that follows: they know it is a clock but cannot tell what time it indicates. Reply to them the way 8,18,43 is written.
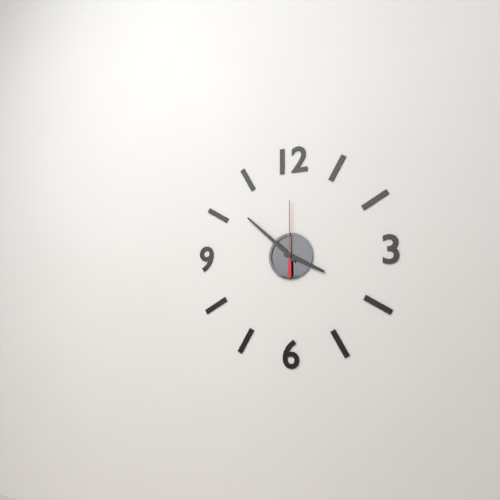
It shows 3,52,00
